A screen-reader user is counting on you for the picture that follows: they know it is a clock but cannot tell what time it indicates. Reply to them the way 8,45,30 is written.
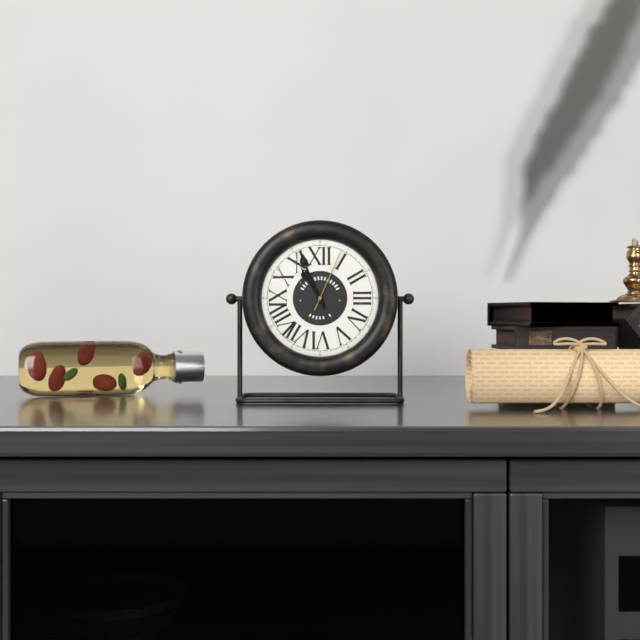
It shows 10,56,04
